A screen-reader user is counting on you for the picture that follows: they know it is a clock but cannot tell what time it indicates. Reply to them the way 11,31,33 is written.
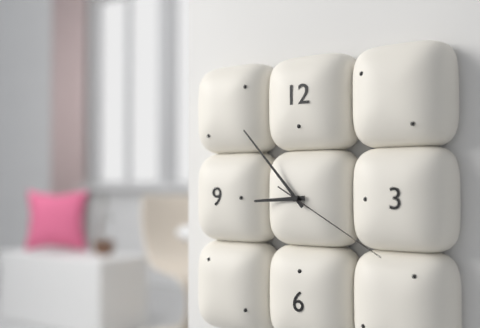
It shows 8,53,20
